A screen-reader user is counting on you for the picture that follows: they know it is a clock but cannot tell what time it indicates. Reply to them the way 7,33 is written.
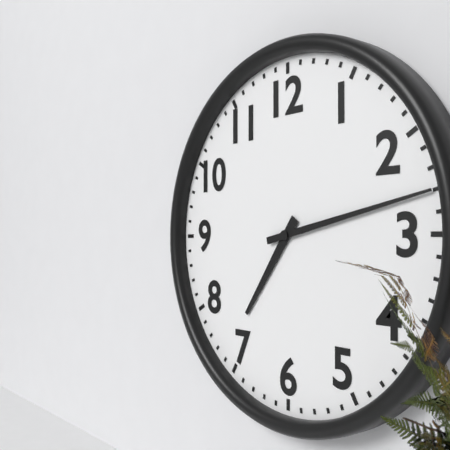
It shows 7,13
